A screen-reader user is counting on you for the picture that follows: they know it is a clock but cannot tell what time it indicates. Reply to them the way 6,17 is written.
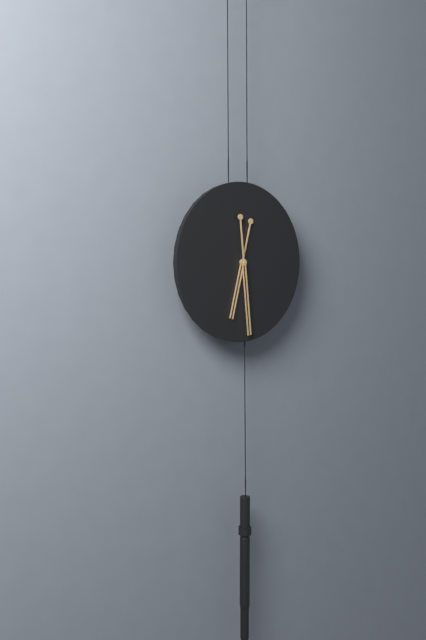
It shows 6,29
